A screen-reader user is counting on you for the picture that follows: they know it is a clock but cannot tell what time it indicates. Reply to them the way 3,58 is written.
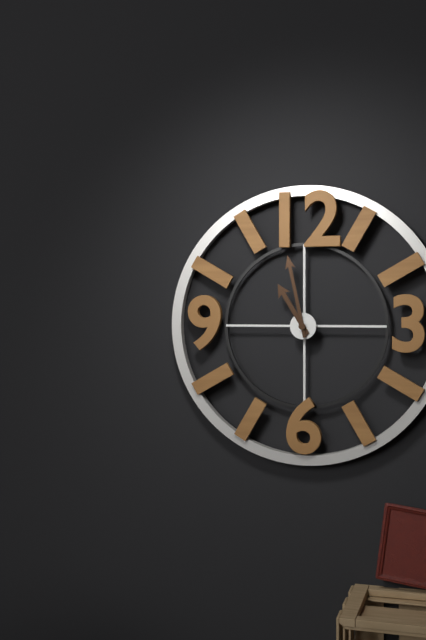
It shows 10,58
